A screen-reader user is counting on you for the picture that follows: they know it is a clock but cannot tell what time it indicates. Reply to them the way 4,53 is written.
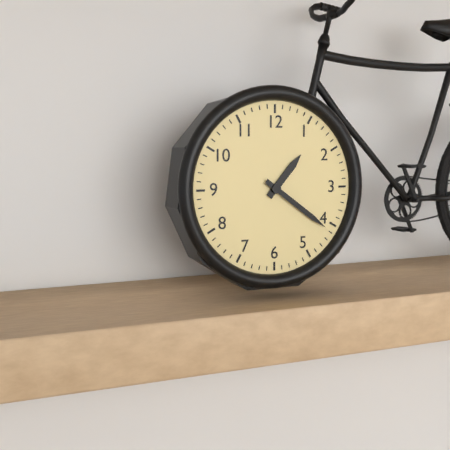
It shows 1,21
